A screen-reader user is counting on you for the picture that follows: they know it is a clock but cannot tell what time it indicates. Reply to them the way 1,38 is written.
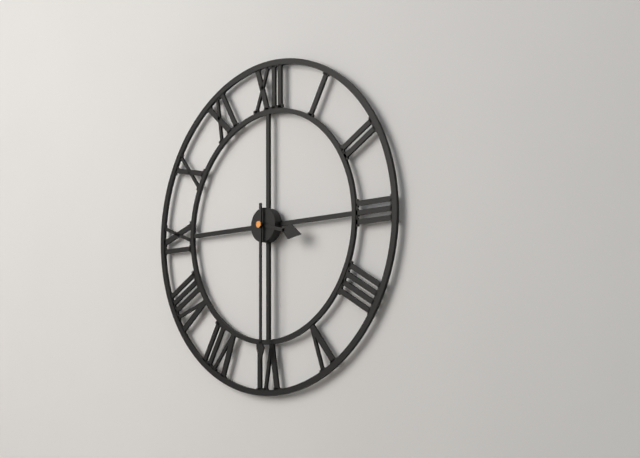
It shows 3,30
